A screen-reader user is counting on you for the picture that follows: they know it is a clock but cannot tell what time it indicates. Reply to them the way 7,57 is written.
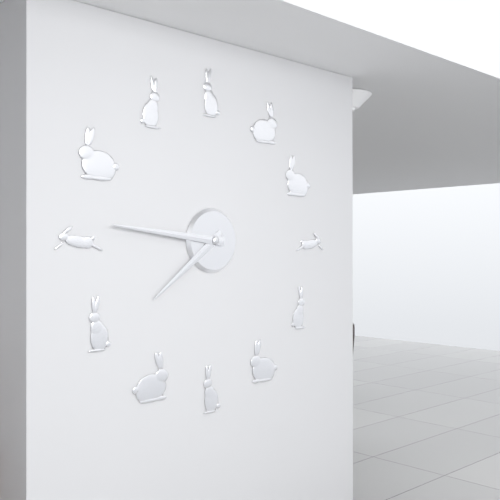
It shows 7,46
